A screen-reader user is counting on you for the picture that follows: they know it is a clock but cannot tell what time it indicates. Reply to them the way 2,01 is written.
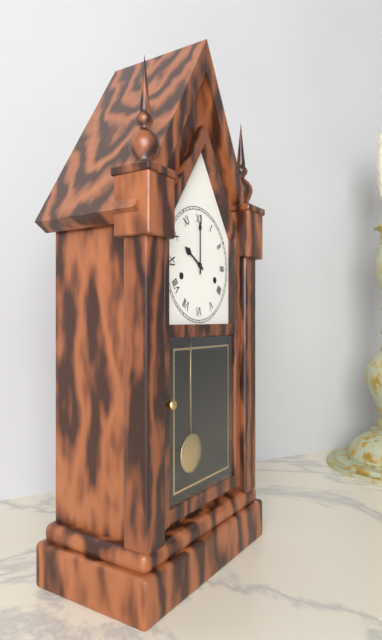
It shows 10,00
